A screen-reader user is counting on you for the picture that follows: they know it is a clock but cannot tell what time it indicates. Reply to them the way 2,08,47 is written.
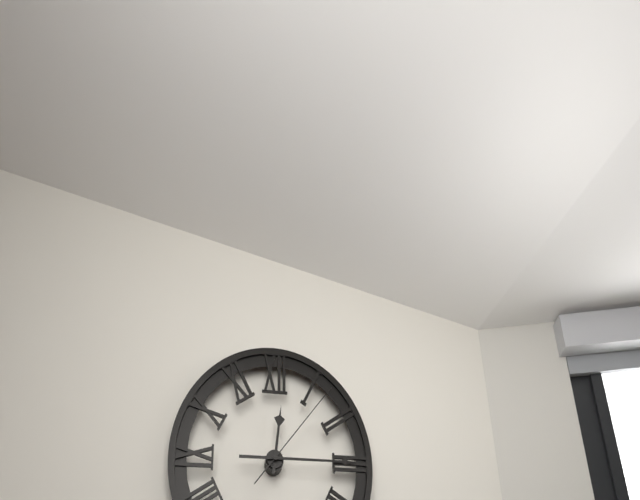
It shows 12,15,07
